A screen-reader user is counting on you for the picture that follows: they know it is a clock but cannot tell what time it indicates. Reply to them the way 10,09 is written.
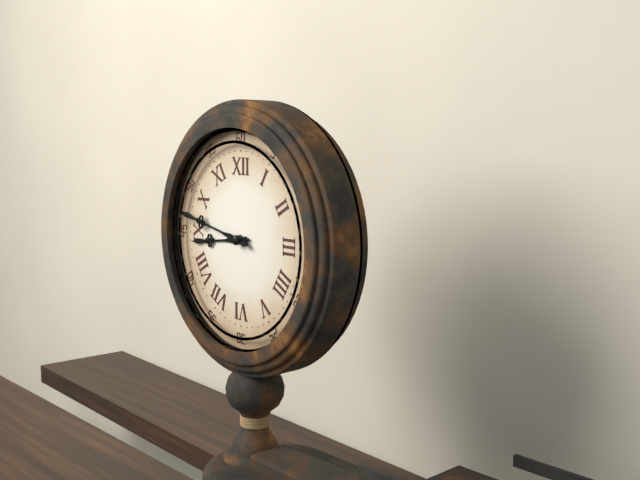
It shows 8,47
